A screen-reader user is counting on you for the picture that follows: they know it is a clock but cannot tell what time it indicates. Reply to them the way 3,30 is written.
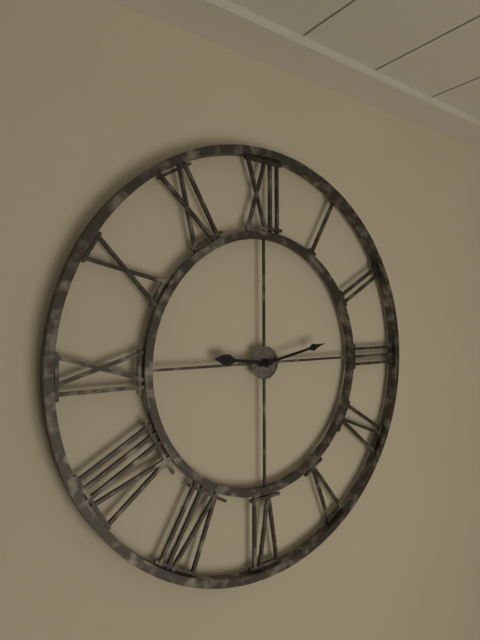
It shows 9,13
